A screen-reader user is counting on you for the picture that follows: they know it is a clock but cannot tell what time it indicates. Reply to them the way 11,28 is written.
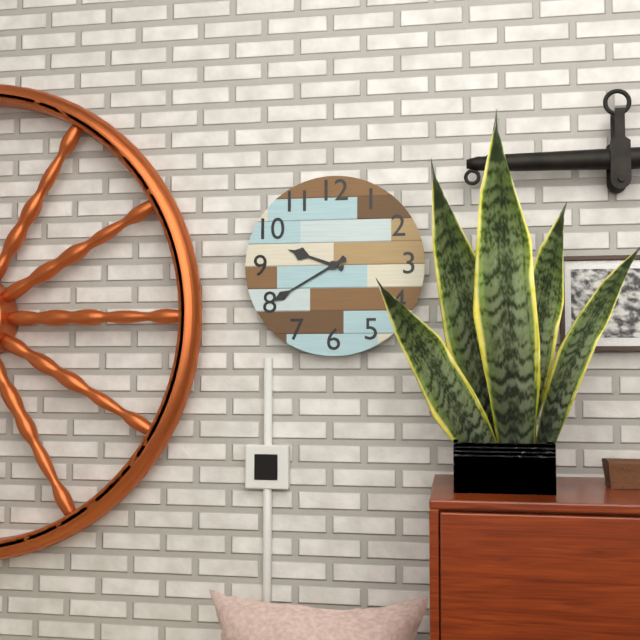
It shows 9,40
